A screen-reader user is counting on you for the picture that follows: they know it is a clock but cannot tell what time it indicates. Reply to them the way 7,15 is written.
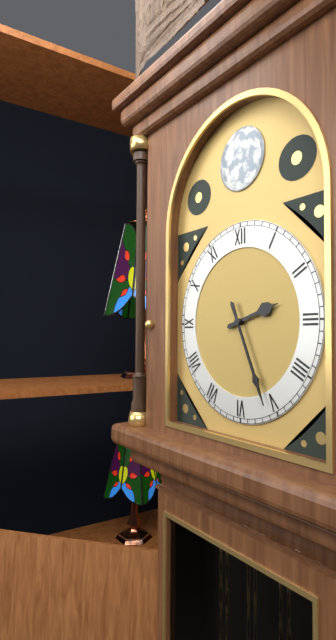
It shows 2,26
